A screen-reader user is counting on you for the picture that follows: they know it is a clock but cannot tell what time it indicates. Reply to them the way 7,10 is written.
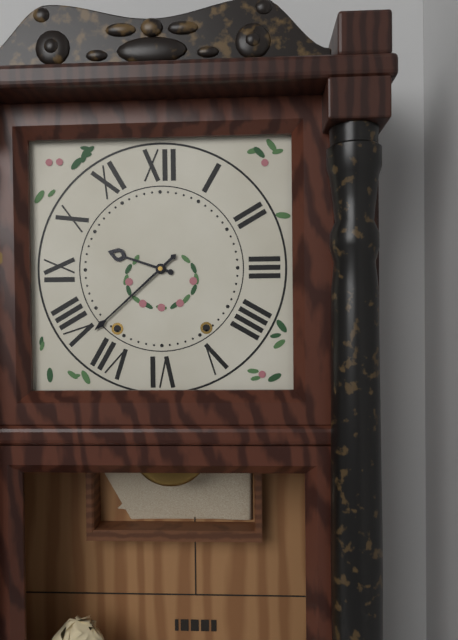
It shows 9,38
